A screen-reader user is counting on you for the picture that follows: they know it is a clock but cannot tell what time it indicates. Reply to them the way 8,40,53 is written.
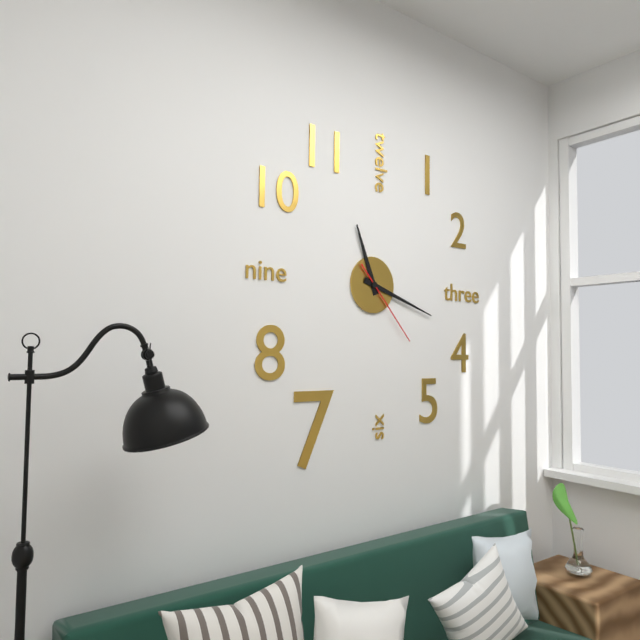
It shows 11,18,23
